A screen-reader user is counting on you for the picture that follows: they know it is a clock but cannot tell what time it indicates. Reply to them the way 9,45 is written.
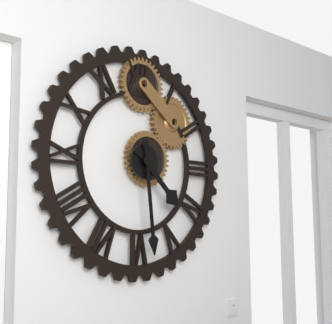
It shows 4,29
